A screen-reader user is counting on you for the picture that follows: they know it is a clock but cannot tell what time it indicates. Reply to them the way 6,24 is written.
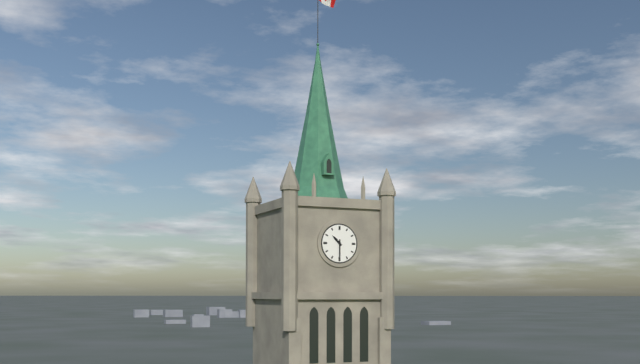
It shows 10,30
